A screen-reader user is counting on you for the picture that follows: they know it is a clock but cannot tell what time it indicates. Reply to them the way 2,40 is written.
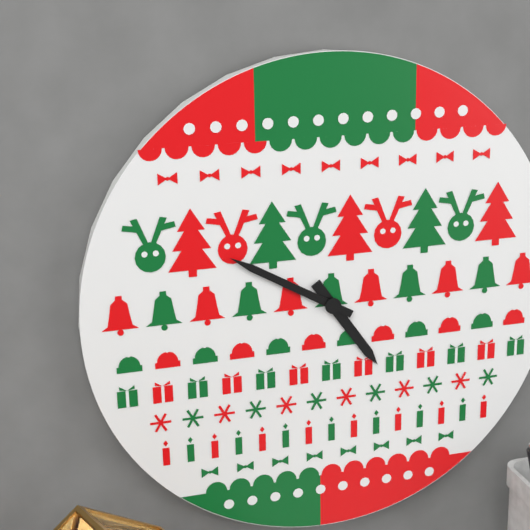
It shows 4,50
